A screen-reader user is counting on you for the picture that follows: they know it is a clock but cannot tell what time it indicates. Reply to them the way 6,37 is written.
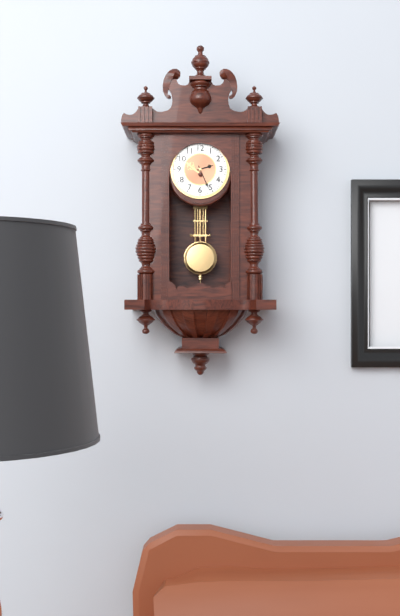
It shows 2,26
